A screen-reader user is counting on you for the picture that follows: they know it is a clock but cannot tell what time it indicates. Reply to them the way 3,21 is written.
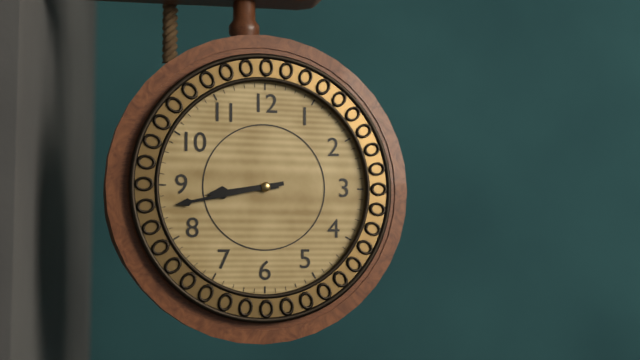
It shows 8,43
